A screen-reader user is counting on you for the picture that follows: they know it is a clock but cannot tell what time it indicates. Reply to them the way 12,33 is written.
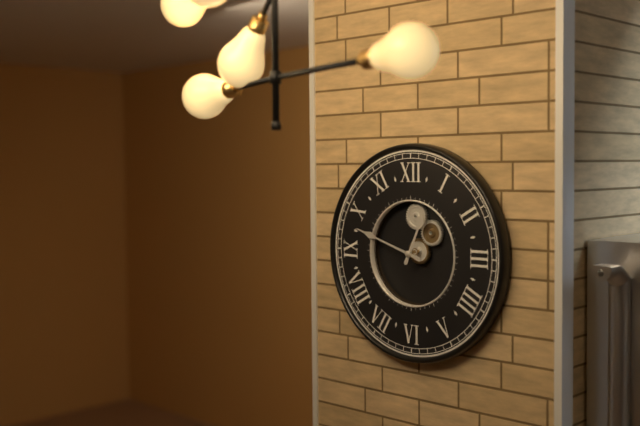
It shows 12,48
